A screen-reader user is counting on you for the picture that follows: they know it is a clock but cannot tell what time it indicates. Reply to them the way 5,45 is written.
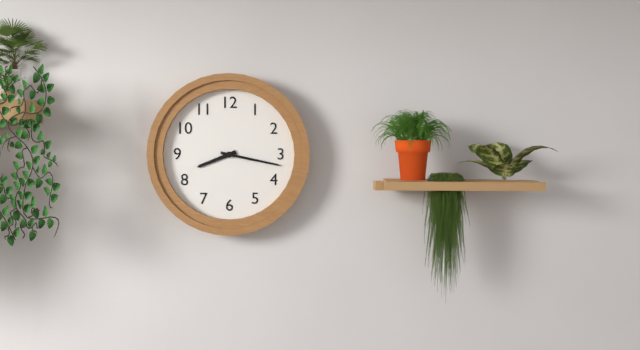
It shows 8,17
